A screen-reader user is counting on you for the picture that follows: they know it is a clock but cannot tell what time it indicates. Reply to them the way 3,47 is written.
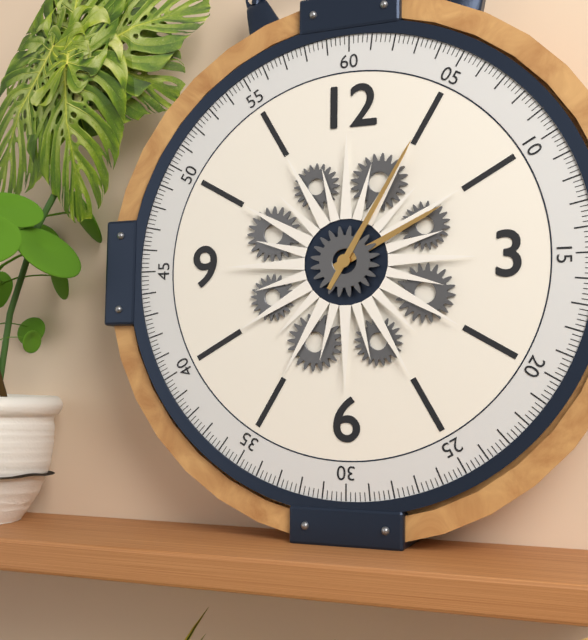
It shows 2,05
